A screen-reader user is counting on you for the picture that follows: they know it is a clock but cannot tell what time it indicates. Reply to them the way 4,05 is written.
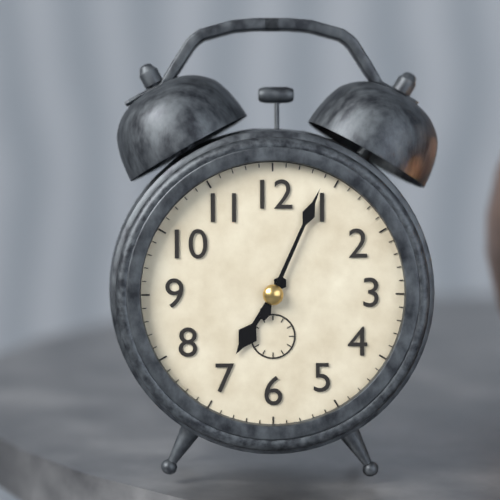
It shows 7,04
